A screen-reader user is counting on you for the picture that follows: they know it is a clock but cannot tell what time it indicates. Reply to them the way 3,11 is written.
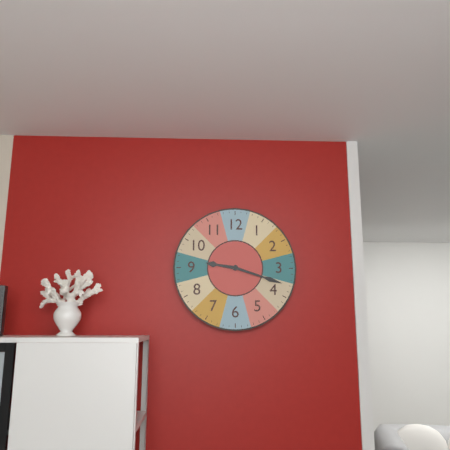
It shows 9,18
